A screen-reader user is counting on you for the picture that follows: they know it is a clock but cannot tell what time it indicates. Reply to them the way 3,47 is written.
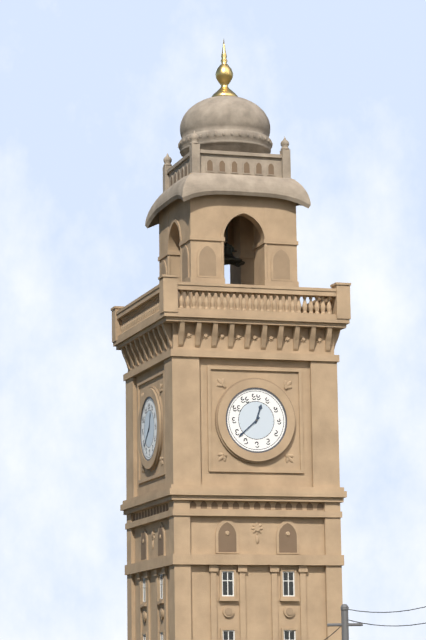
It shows 12,38
